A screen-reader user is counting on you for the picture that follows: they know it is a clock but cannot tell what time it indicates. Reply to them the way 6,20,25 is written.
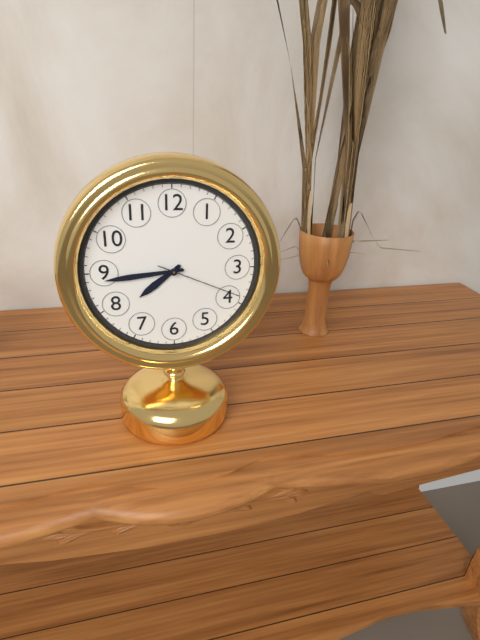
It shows 7,44,19
